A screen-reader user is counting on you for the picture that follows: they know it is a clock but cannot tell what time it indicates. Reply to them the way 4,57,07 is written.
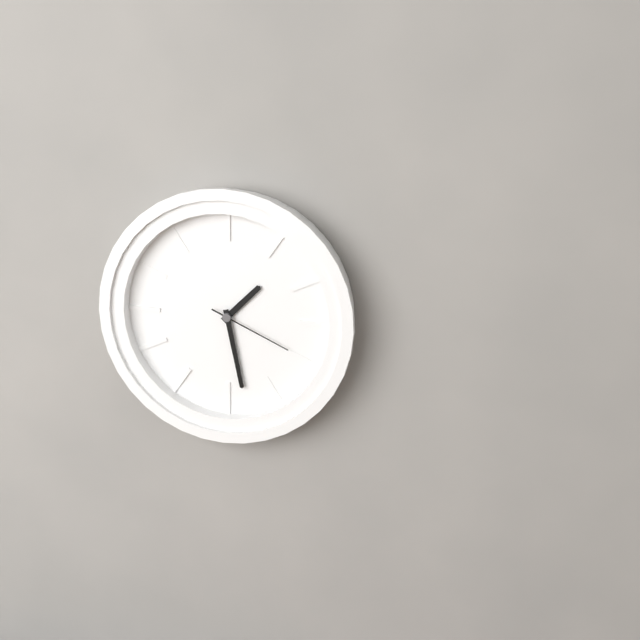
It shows 1,28,19
